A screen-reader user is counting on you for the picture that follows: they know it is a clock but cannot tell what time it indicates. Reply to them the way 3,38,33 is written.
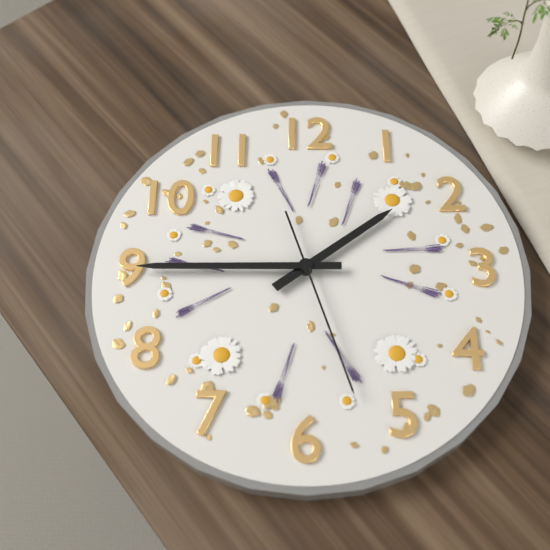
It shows 1,45,27
